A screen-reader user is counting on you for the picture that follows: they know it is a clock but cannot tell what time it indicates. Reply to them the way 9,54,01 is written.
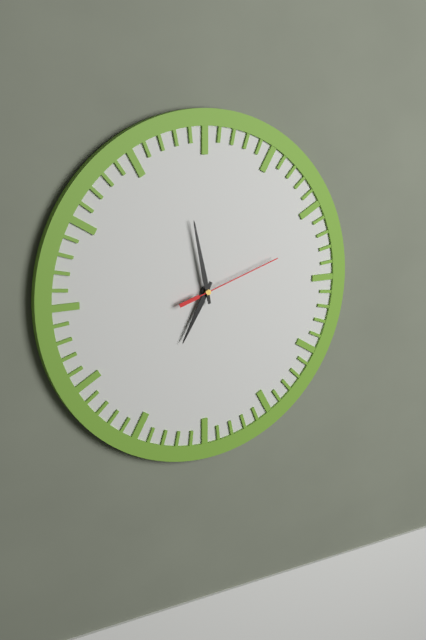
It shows 6,58,12
